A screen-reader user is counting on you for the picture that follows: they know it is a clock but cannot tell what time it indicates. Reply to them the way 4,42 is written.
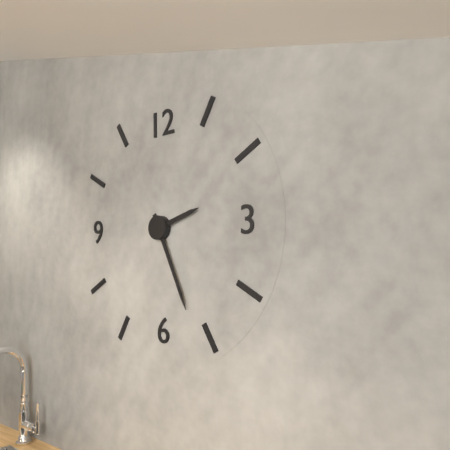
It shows 2,26
